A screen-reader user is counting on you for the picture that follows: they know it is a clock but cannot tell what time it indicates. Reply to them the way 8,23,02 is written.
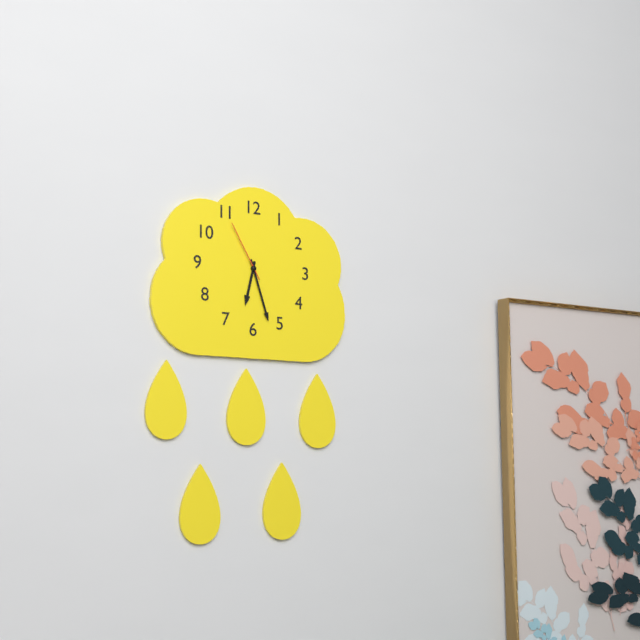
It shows 6,27,55
